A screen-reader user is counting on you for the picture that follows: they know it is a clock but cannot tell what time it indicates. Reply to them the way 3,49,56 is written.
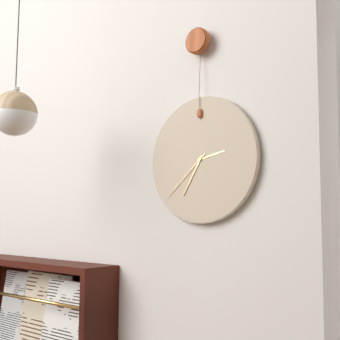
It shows 2,35,38
